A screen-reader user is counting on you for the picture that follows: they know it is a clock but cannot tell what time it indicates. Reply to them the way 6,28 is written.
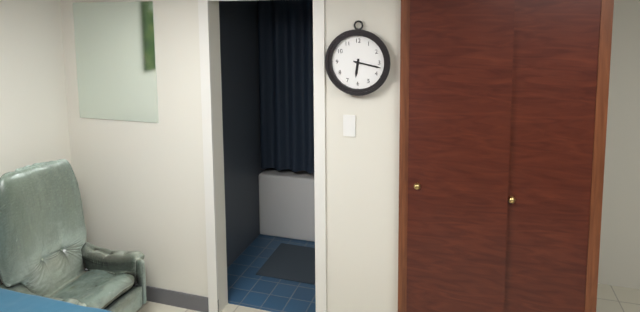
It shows 6,17
